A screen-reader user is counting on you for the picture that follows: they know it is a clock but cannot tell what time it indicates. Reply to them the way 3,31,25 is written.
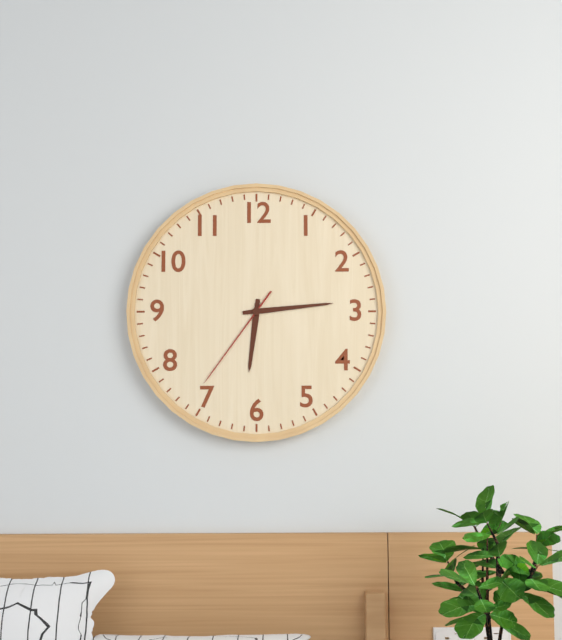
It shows 6,14,36
